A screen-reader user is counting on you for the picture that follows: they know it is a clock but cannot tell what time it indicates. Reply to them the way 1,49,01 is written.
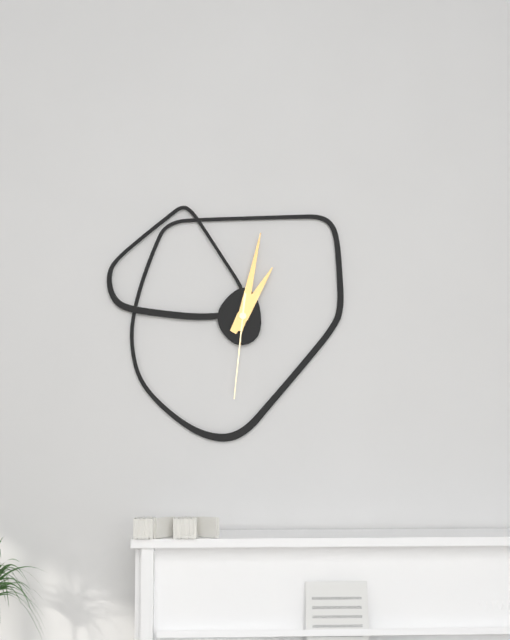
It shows 1,02,31
